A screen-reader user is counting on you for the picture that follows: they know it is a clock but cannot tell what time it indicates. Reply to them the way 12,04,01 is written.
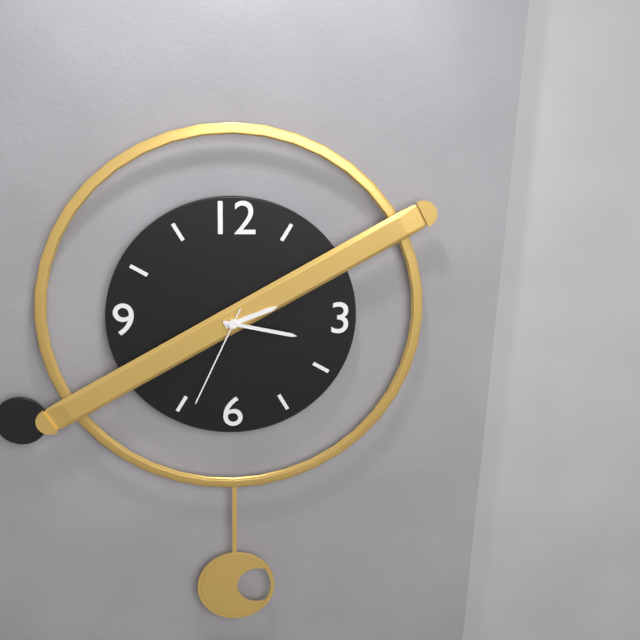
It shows 2,17,34
